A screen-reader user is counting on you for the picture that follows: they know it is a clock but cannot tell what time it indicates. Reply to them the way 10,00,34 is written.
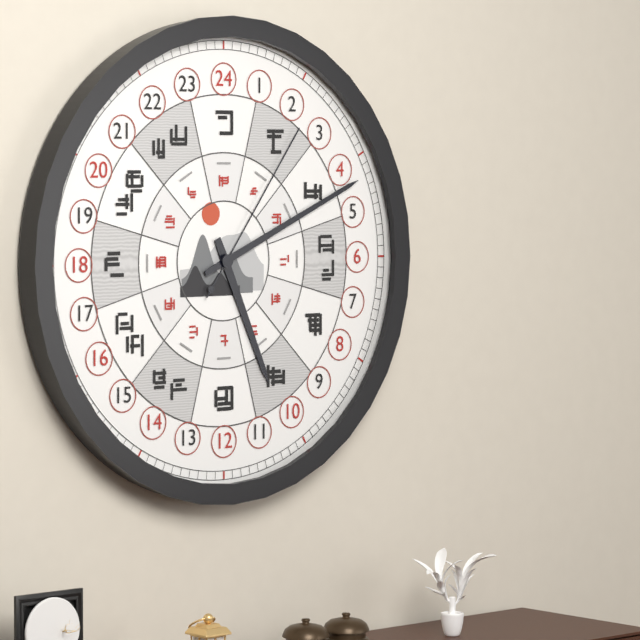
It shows 5,11,06
